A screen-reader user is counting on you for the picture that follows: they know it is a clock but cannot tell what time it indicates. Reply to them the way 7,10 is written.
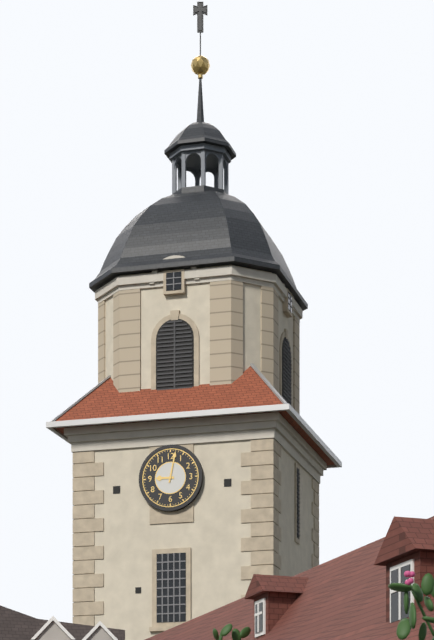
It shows 9,02
